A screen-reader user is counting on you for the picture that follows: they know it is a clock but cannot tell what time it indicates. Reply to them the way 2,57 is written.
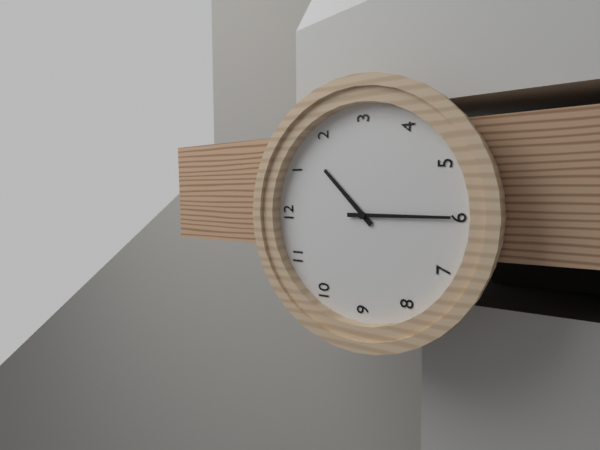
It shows 1,30
